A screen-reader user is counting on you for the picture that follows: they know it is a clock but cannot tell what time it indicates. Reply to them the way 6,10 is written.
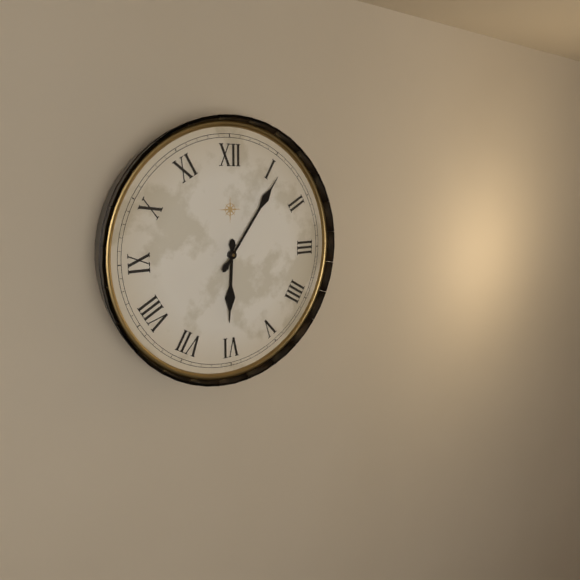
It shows 6,06
